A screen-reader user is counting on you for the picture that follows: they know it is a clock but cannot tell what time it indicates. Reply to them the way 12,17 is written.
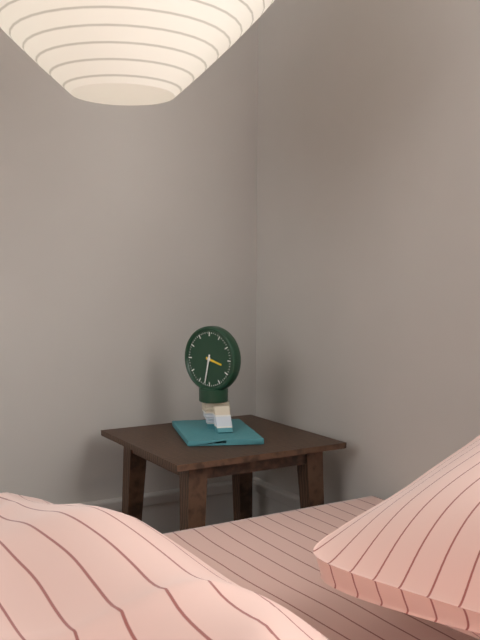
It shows 3,32
